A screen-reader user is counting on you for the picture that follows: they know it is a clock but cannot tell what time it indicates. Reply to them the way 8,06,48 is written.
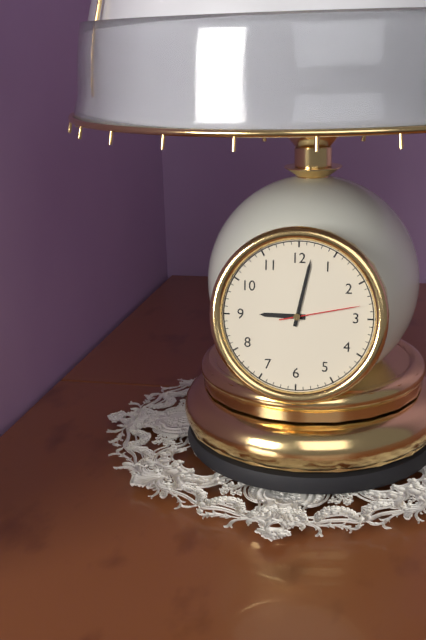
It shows 9,02,13
